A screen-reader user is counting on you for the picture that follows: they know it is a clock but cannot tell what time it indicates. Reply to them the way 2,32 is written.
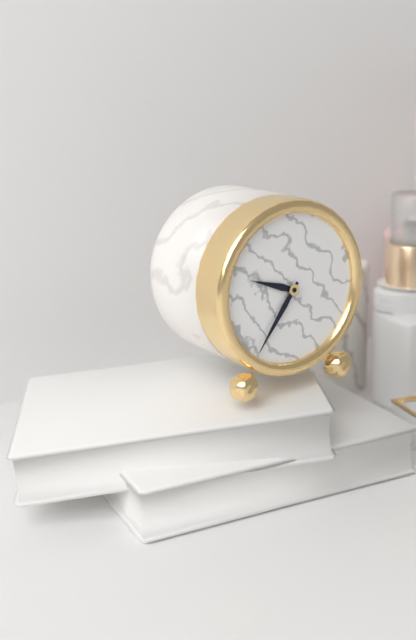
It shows 9,36
